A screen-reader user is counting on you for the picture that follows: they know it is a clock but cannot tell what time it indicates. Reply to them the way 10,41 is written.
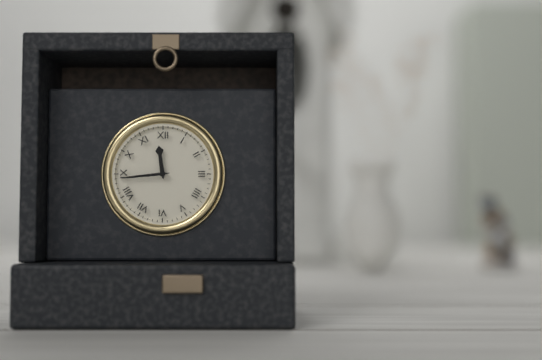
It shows 11,44
